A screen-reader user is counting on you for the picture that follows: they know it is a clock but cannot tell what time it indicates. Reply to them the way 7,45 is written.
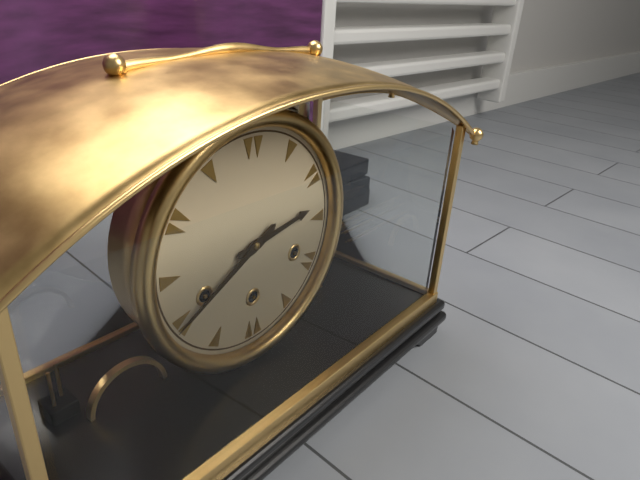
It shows 2,40
